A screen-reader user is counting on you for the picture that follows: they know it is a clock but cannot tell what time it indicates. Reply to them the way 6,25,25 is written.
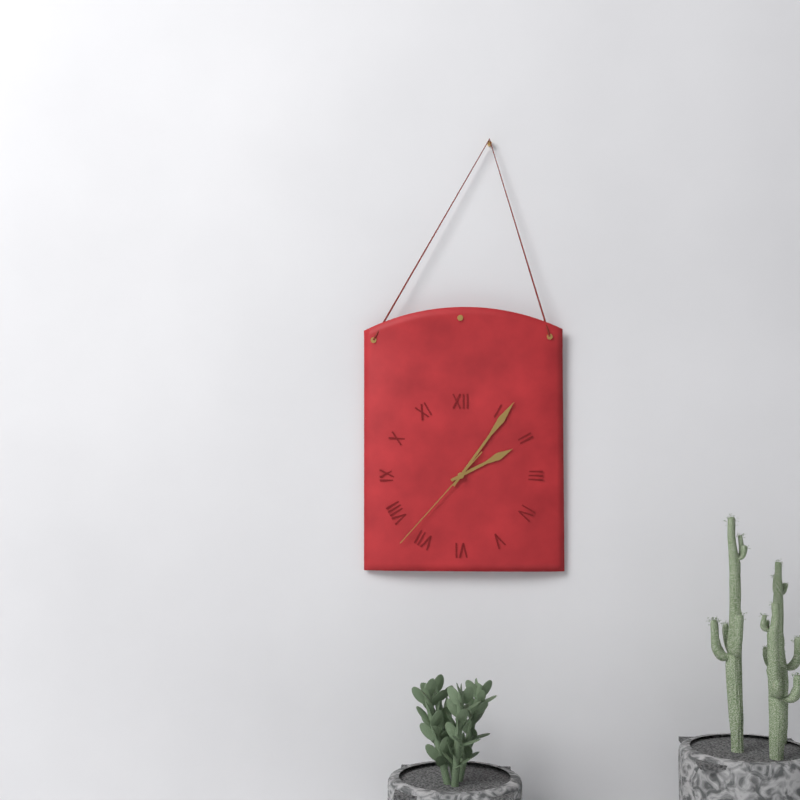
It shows 2,06,37
